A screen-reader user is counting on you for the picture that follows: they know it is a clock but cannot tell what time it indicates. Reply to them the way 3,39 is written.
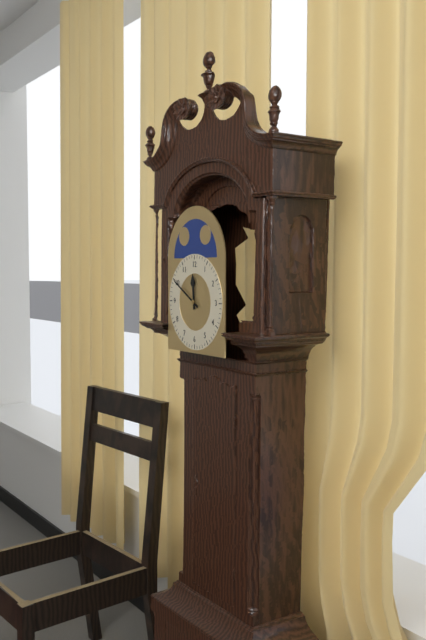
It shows 11,50
